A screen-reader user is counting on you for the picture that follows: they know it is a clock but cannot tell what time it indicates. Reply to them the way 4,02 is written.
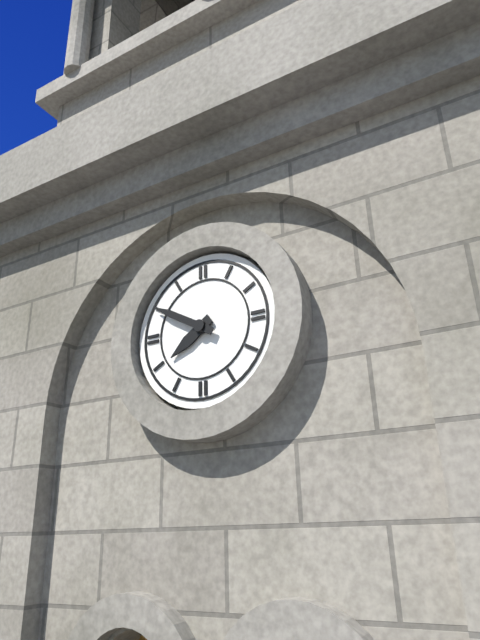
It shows 7,50
